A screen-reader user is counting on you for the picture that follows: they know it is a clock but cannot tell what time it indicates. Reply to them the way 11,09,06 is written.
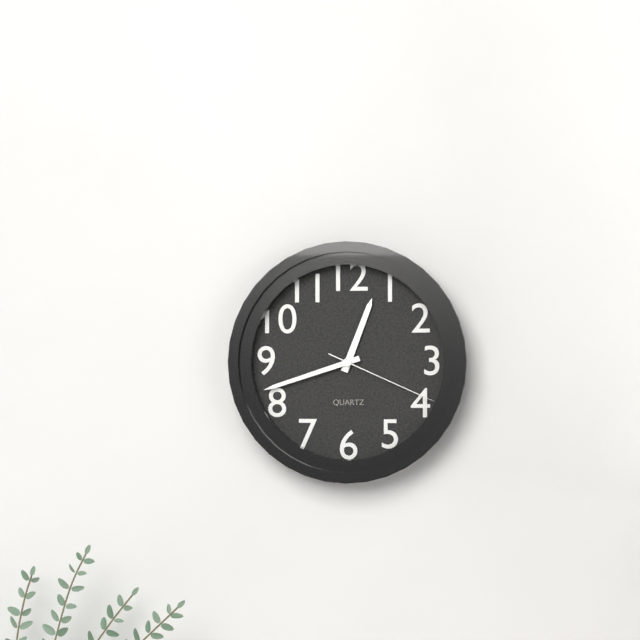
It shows 12,42,19
